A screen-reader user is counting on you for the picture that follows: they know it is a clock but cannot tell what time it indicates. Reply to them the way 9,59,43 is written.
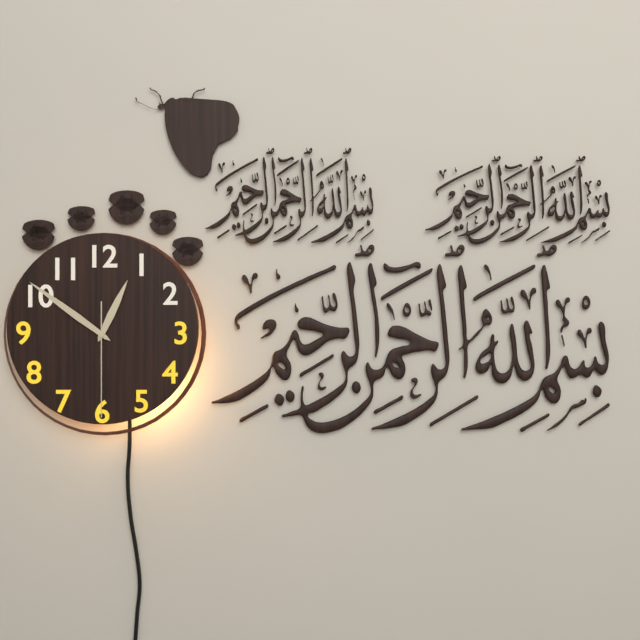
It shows 12,51,30
